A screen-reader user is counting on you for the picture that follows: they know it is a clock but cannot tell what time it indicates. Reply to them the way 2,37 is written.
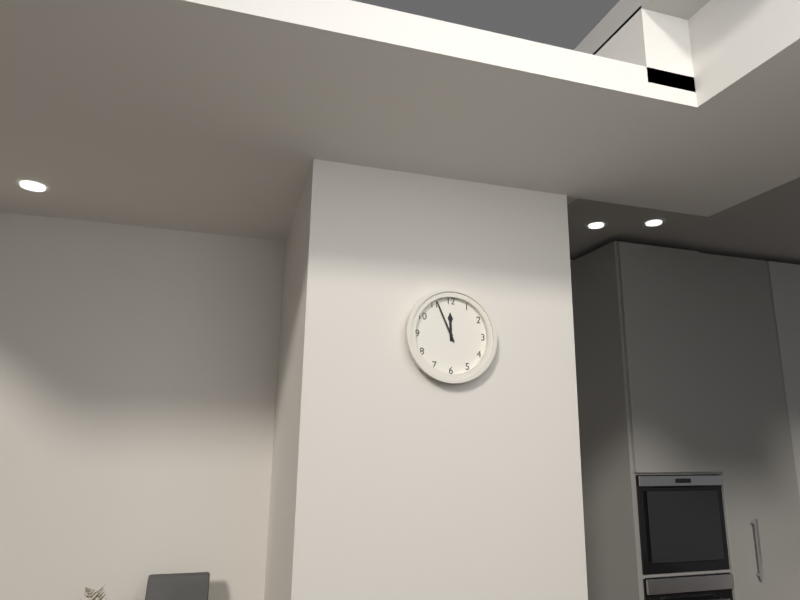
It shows 11,56
